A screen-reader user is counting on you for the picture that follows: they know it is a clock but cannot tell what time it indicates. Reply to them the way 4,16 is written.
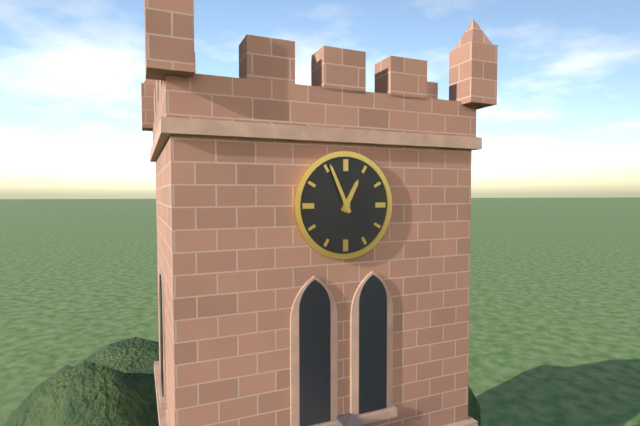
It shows 12,56
